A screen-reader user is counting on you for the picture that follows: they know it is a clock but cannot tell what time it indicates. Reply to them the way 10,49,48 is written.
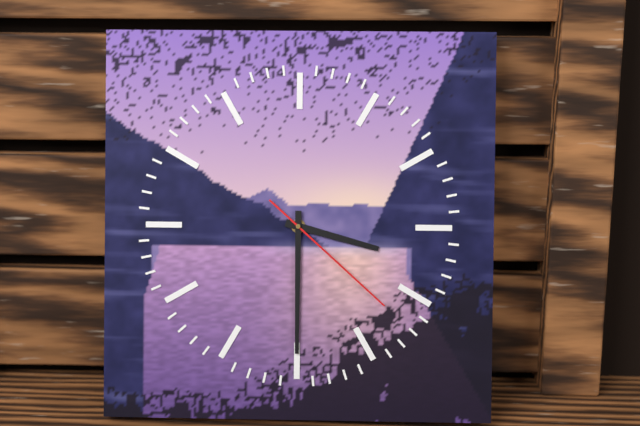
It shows 3,30,22
